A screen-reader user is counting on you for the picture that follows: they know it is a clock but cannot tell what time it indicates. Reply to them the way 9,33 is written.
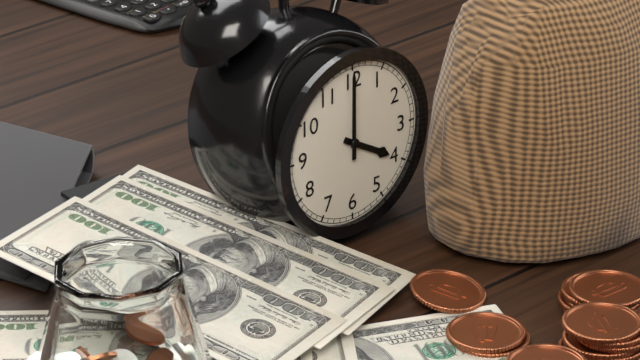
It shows 4,00
